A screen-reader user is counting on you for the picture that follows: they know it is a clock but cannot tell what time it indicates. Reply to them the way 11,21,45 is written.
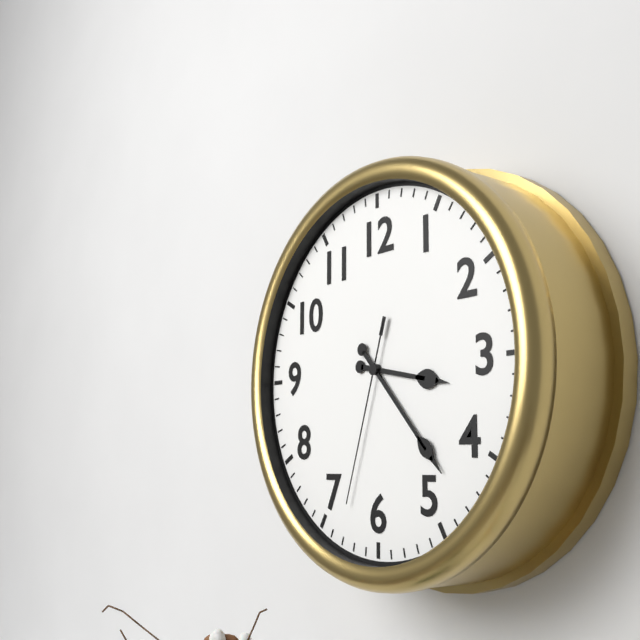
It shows 3,23,33
